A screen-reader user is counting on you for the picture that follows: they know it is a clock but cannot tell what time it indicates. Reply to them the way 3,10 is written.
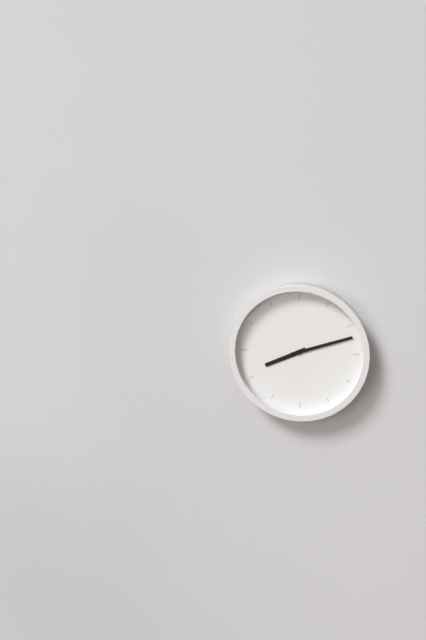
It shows 8,12
